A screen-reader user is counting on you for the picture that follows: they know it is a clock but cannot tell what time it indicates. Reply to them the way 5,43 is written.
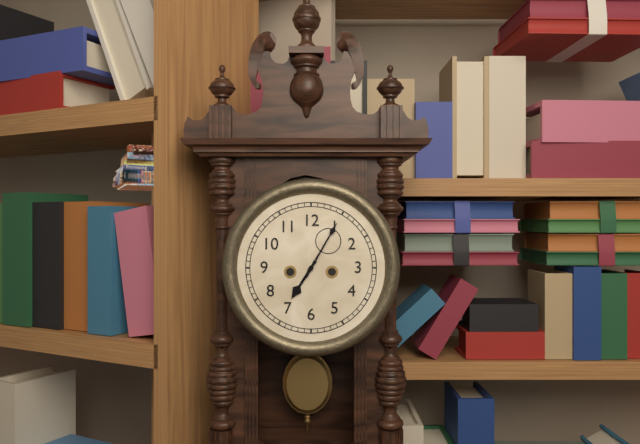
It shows 7,05
